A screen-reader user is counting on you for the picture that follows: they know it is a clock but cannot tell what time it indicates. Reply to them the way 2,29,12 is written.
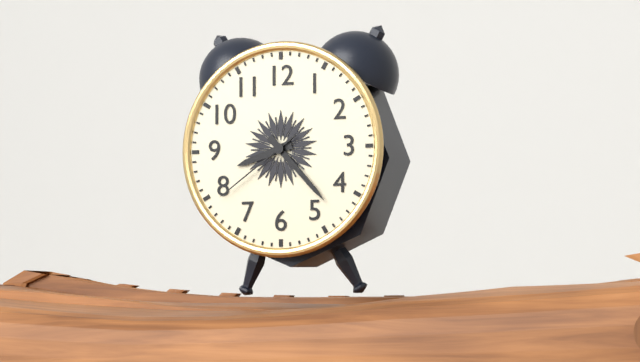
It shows 8,23,39
